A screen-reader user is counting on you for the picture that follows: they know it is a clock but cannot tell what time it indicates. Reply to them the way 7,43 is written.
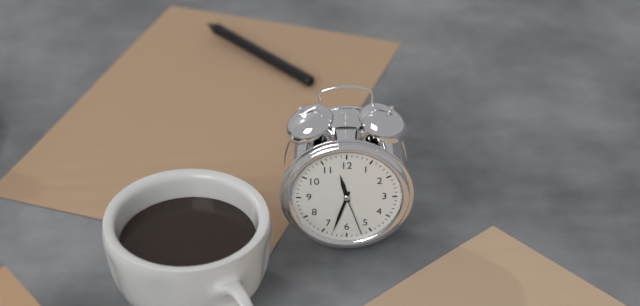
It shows 11,33
